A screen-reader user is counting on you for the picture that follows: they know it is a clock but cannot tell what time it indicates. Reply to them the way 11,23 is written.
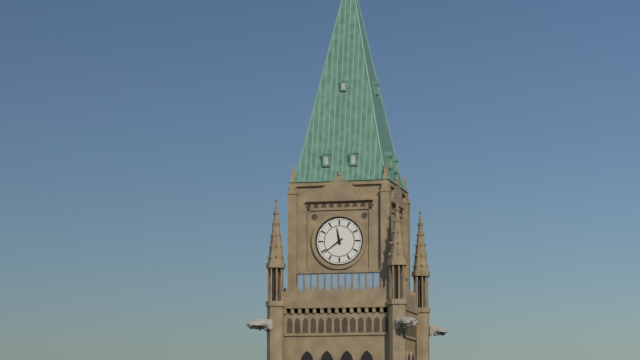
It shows 11,39
